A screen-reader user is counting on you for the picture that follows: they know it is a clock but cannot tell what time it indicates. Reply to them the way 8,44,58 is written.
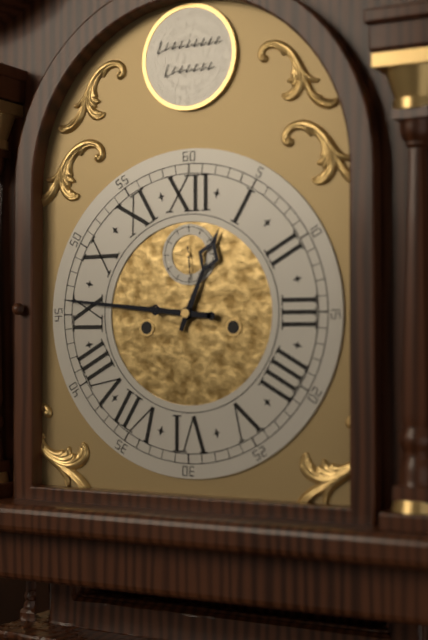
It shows 12,46,29
